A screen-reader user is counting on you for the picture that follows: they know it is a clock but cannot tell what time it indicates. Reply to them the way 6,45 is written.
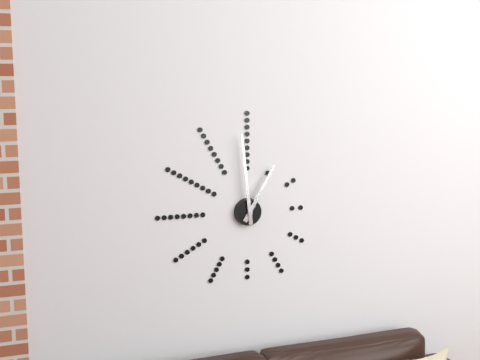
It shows 12,59
